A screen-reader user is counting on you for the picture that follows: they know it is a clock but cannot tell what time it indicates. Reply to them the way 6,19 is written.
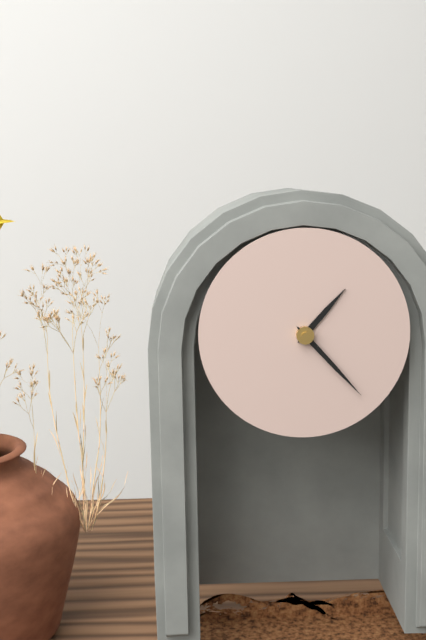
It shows 1,23
